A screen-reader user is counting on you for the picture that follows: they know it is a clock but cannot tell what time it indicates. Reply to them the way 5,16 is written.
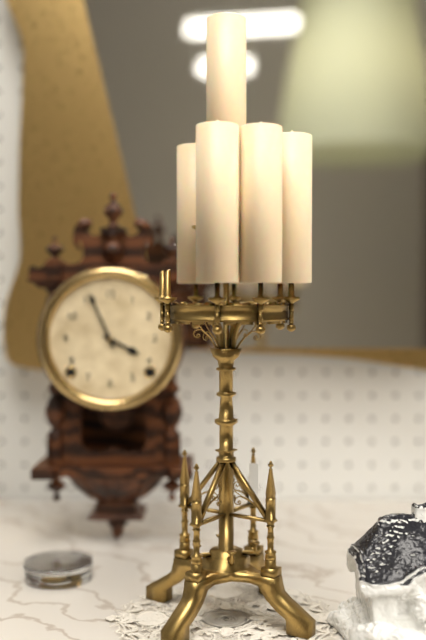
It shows 3,56
